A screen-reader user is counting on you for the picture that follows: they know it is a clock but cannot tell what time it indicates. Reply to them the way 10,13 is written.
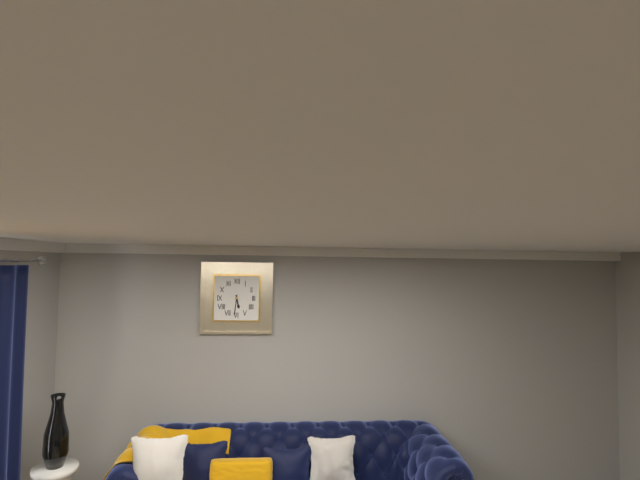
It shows 5,31
